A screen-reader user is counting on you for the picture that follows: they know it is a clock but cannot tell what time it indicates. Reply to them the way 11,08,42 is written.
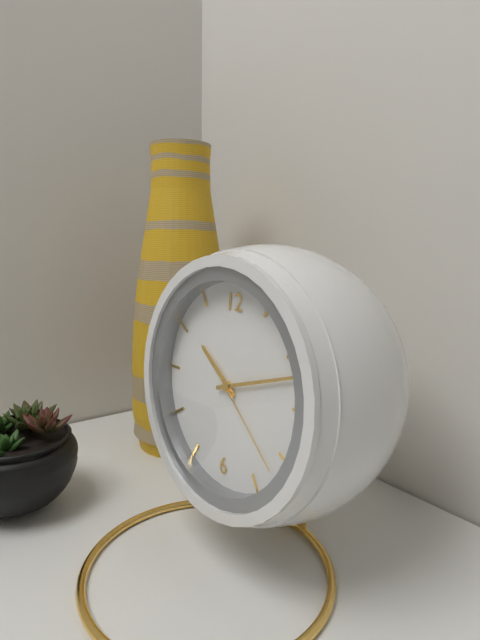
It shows 10,12,22
